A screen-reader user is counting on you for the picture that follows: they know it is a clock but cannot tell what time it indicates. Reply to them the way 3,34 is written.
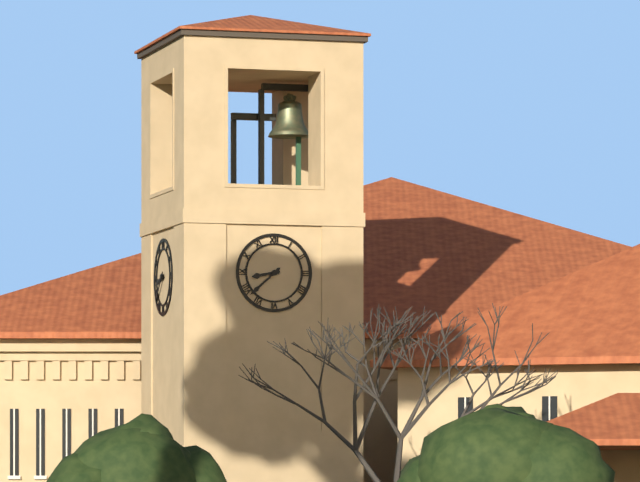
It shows 8,38
